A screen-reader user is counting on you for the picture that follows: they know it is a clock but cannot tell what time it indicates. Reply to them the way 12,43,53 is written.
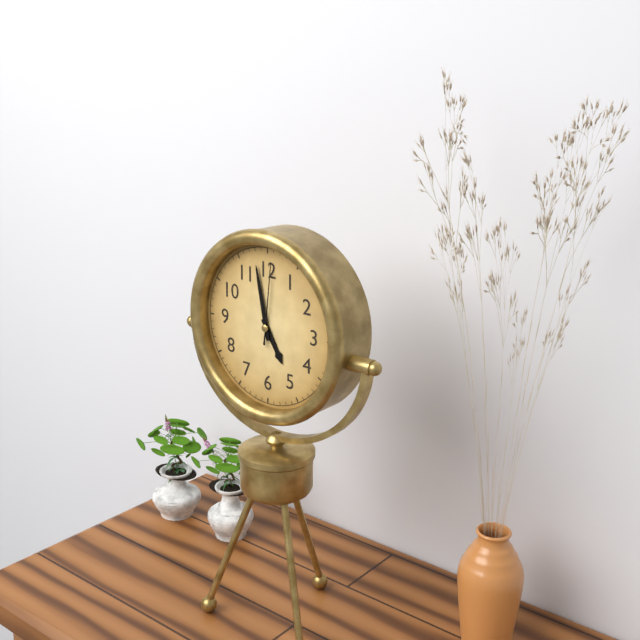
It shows 4,58,01
